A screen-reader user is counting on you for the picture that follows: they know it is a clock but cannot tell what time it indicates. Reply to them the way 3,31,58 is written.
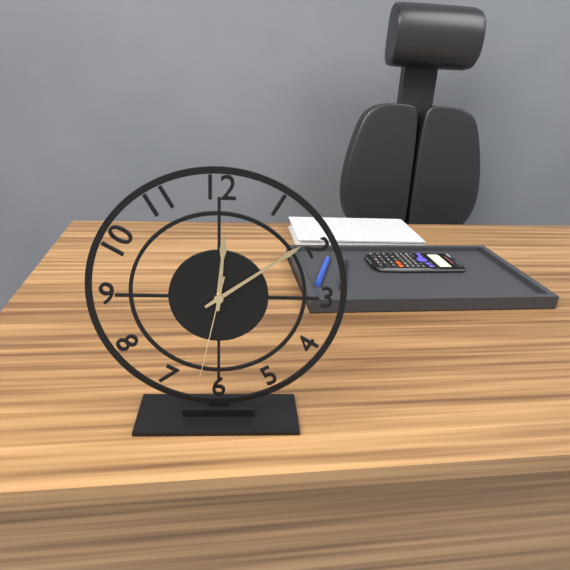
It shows 12,09,32
